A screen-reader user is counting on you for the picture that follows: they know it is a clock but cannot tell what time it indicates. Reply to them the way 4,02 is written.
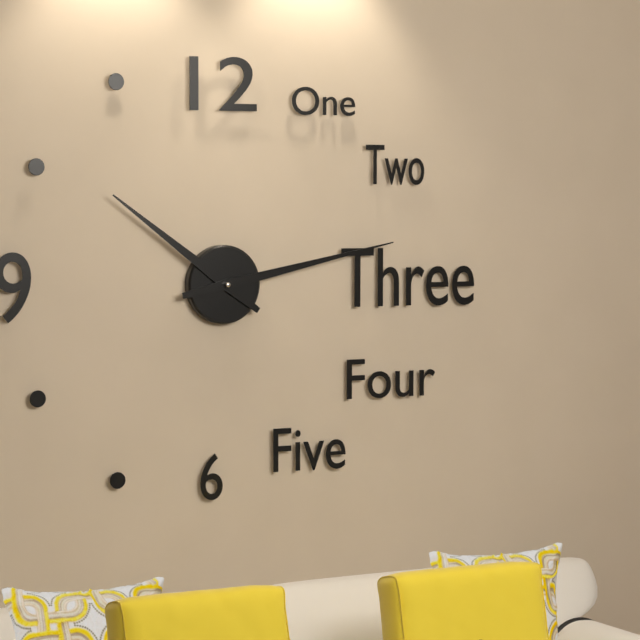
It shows 10,13
